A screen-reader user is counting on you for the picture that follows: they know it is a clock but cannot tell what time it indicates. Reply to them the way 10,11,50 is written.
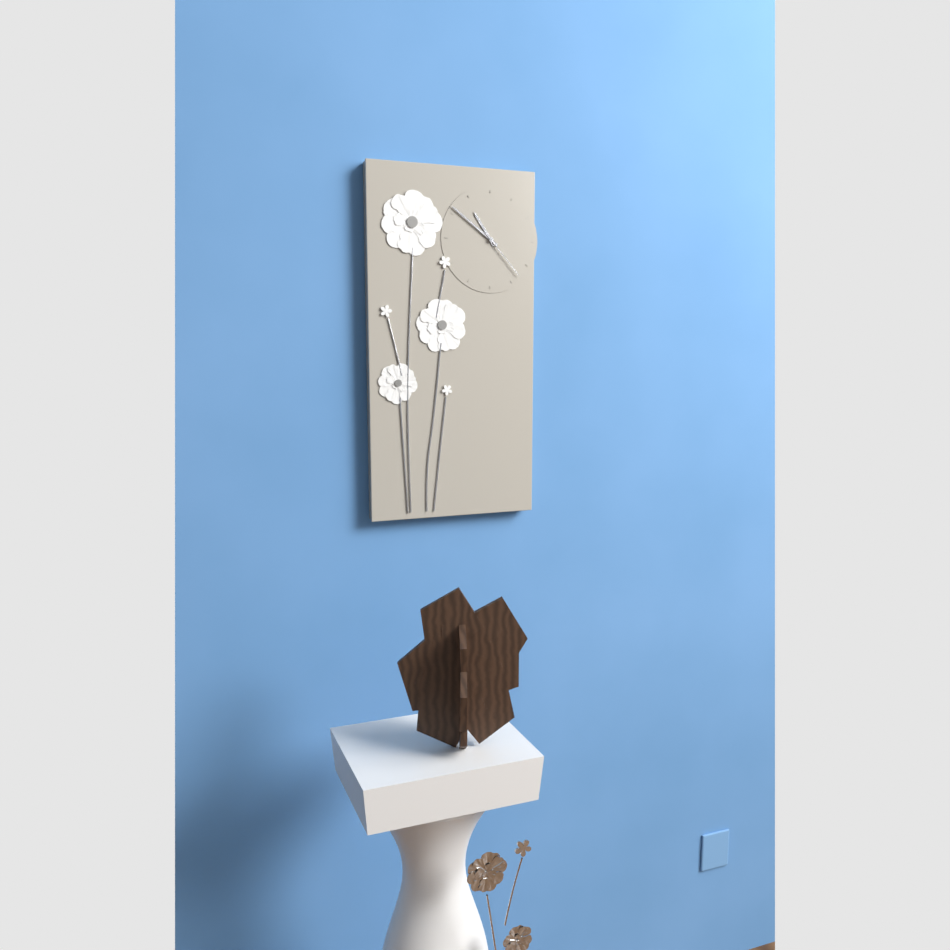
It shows 10,51,23
